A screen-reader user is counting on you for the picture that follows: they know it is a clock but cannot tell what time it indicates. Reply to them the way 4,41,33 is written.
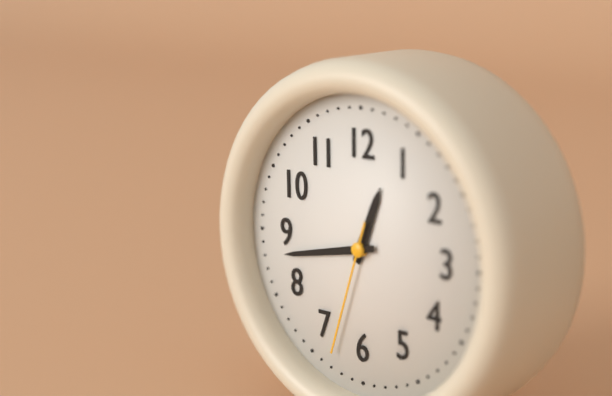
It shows 12,43,33
